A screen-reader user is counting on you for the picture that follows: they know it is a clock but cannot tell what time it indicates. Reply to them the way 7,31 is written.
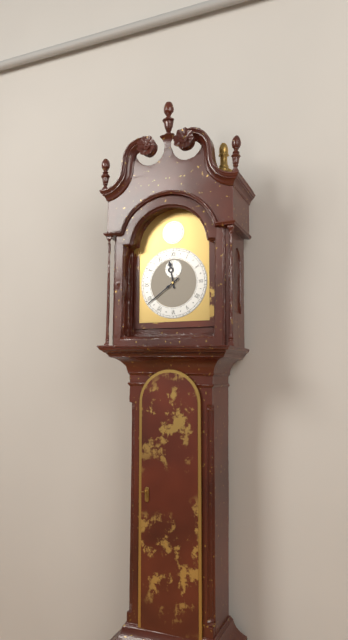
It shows 11,39
